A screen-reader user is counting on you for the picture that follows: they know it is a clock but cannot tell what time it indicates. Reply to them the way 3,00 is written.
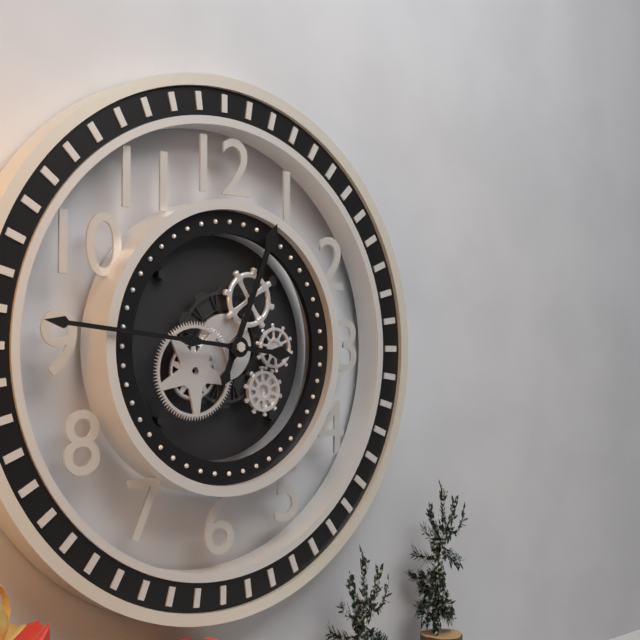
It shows 12,46
